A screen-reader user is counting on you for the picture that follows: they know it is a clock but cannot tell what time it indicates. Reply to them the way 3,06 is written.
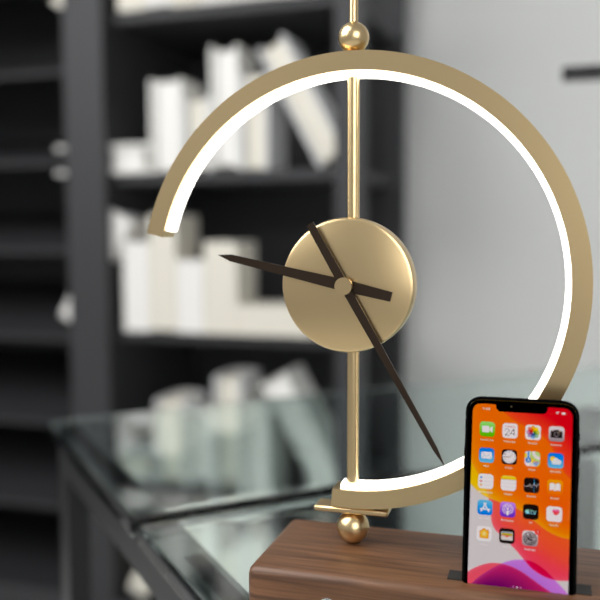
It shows 9,25
